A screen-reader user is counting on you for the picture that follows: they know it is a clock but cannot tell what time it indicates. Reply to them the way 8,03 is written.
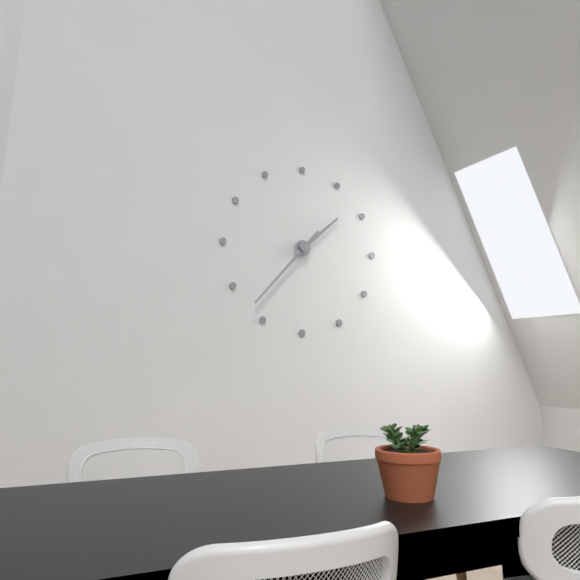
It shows 1,37
